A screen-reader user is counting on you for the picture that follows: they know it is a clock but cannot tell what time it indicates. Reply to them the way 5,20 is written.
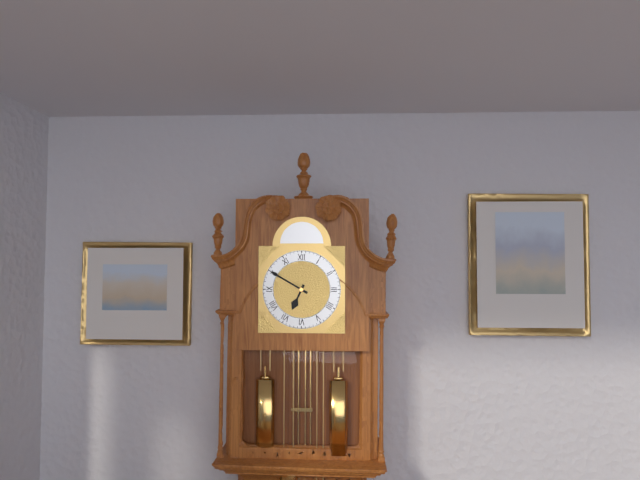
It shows 6,50
